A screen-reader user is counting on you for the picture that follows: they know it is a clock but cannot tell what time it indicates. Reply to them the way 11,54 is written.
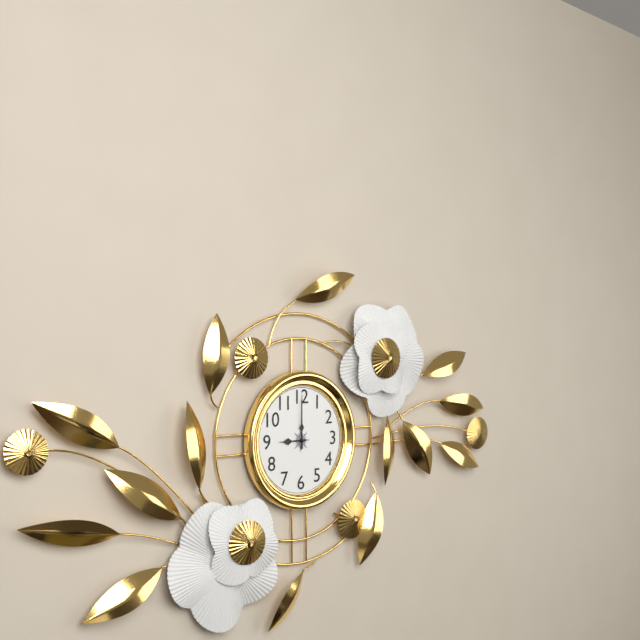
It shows 9,00
